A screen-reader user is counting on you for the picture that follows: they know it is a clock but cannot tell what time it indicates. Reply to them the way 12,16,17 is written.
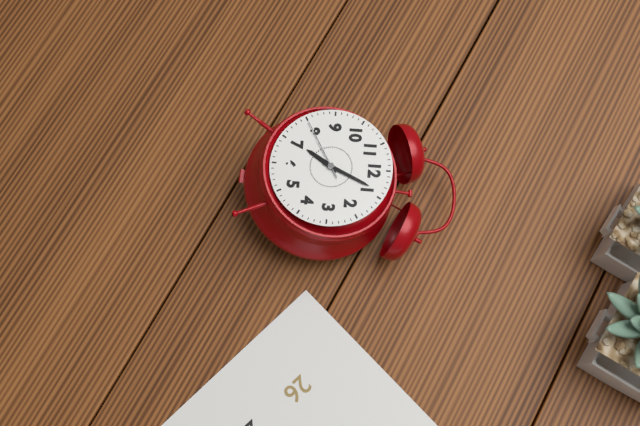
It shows 7,04,40
